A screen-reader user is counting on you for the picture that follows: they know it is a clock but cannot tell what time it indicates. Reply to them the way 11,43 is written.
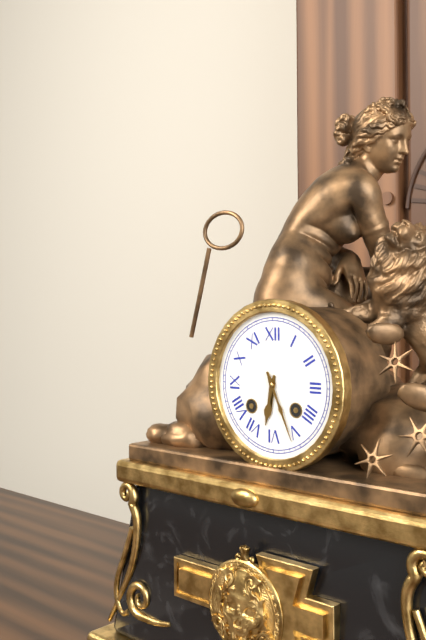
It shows 6,26
